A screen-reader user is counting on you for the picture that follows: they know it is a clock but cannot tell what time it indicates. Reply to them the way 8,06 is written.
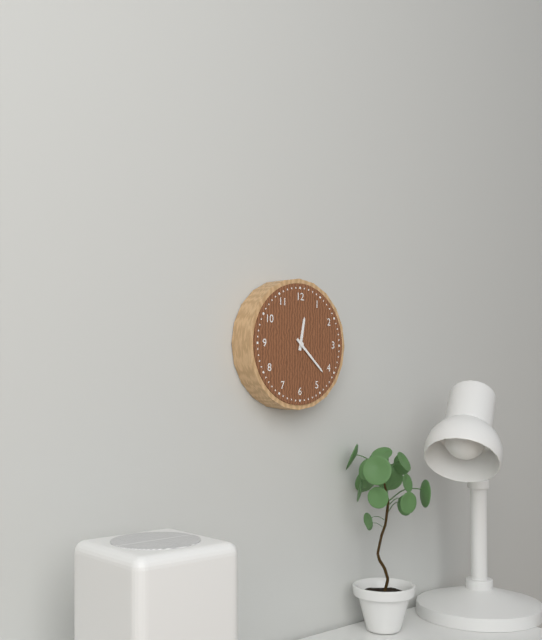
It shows 12,22
